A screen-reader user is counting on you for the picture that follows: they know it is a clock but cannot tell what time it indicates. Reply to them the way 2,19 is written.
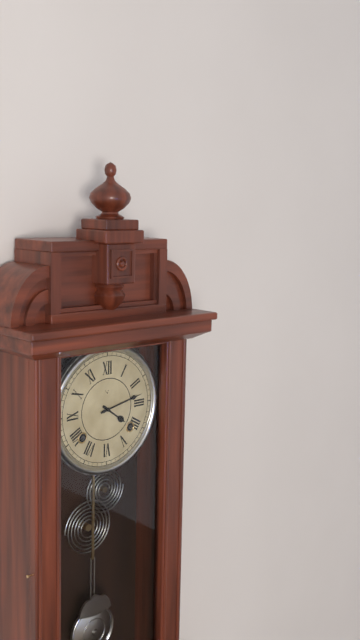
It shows 4,13
